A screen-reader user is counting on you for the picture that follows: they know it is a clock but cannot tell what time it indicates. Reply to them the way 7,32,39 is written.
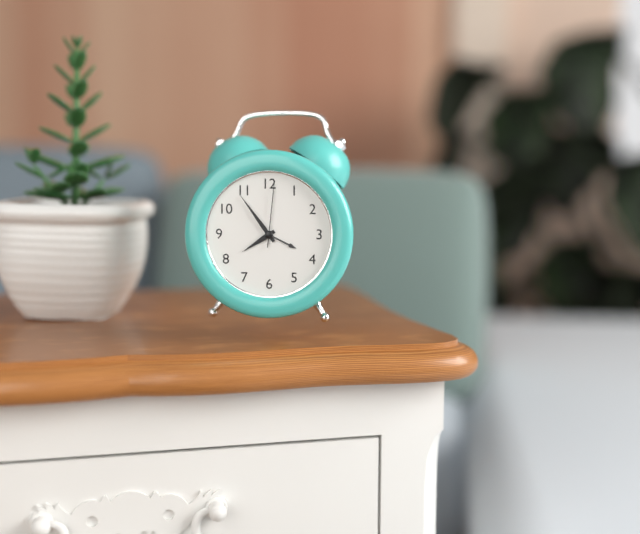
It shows 7,54,01
